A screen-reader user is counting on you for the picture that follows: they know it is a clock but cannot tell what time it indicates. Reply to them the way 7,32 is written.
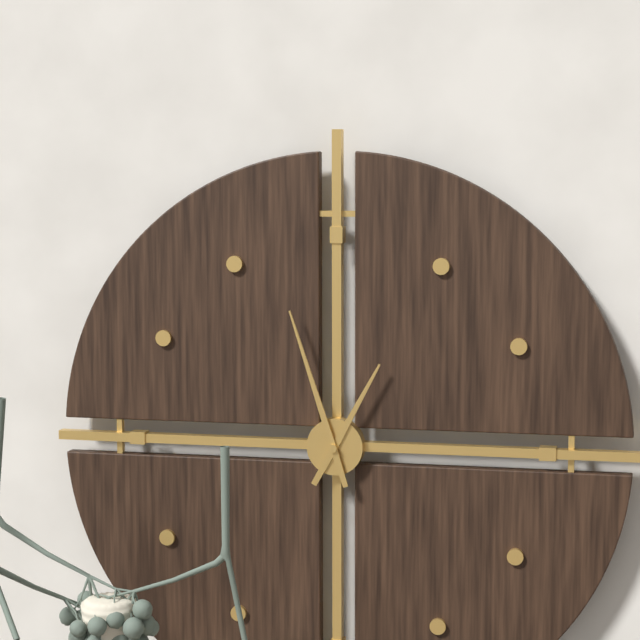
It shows 12,57
